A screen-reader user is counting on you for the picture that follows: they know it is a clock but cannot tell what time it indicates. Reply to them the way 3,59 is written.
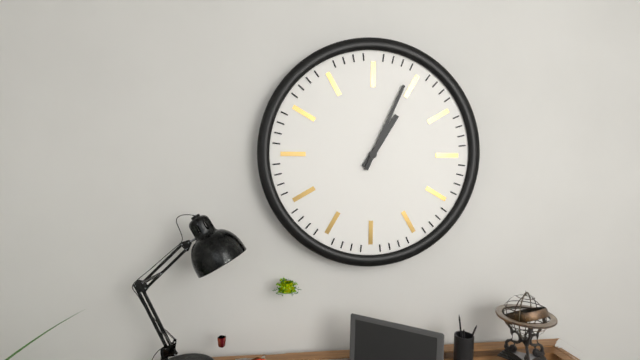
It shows 1,04
